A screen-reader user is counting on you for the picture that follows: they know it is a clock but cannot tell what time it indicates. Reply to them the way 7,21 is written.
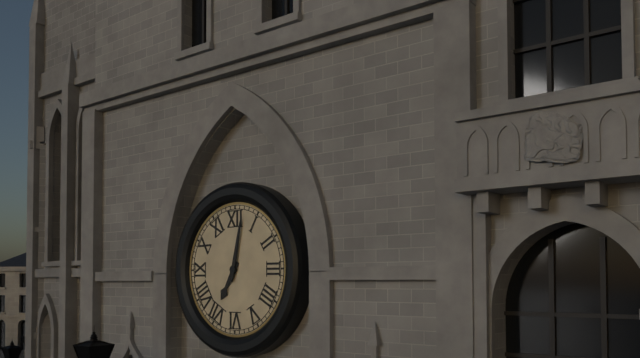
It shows 7,02
